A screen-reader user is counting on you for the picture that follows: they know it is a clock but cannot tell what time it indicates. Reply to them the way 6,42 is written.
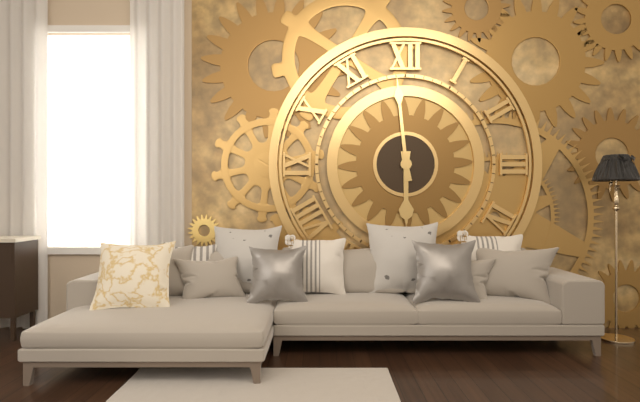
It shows 5,59
